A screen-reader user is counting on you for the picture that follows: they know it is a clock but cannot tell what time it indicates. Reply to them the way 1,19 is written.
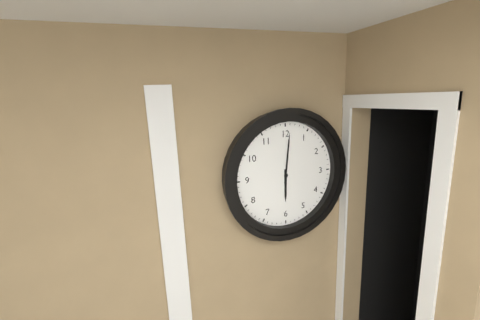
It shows 6,01
